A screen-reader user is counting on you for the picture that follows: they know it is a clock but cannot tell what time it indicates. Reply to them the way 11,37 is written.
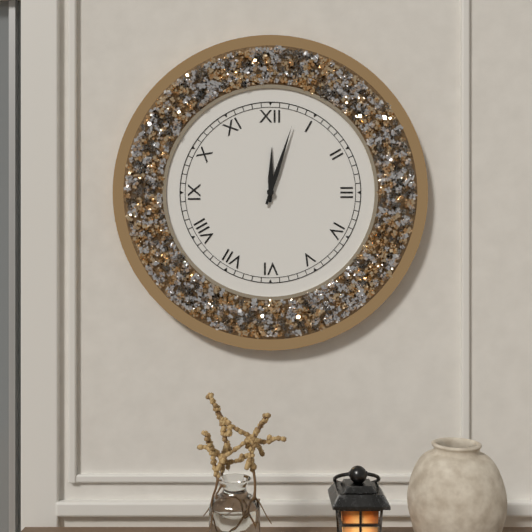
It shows 12,03
